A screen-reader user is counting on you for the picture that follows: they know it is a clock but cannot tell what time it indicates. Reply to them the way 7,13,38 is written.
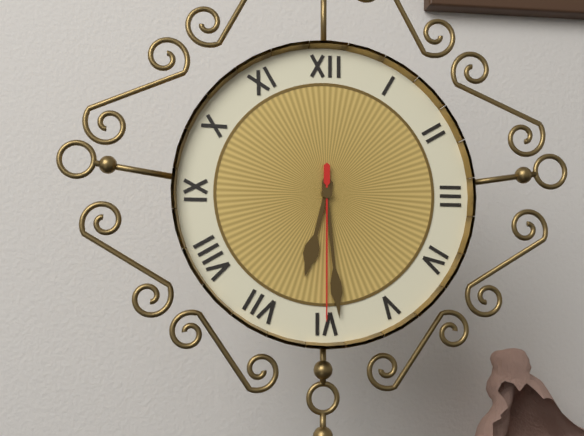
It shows 6,29,30
